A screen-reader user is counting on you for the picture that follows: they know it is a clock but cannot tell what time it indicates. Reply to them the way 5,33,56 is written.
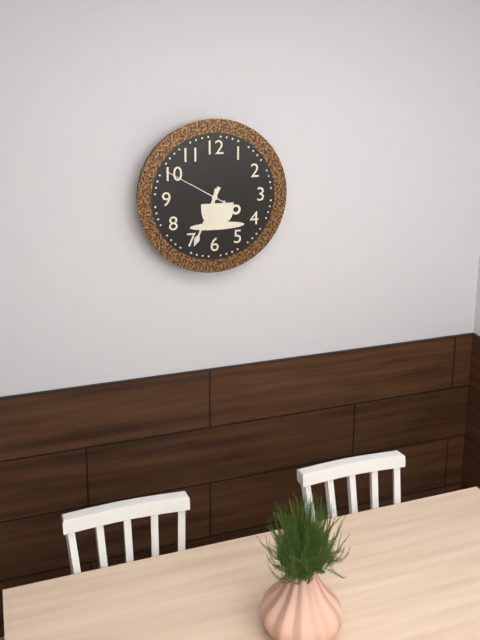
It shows 6,34,50
